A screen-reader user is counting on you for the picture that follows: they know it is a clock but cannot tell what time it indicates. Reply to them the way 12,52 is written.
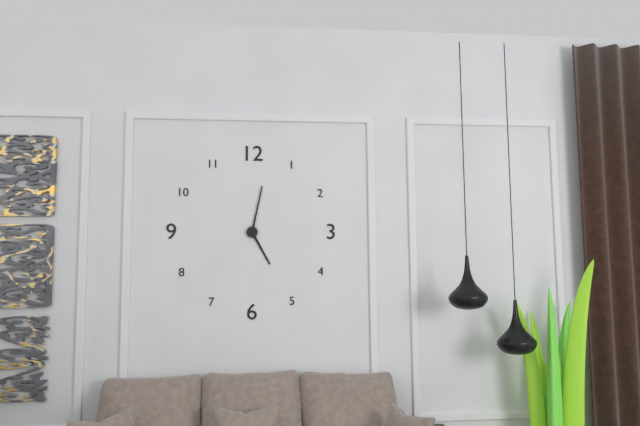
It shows 5,02
